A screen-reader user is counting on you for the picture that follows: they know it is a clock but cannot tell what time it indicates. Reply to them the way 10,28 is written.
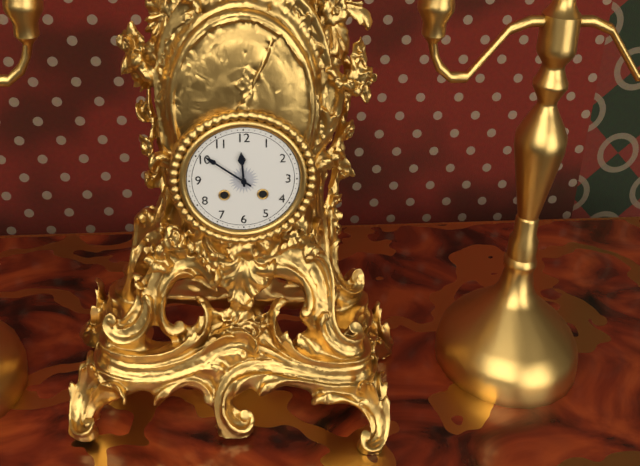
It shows 11,51
